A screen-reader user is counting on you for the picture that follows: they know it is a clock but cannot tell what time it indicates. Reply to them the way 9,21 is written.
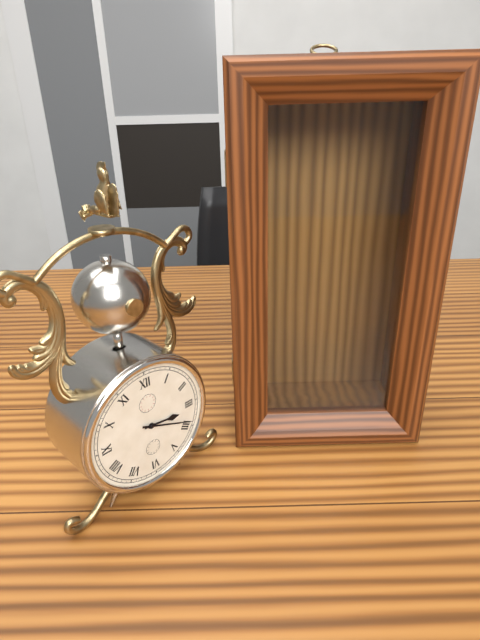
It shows 3,19
